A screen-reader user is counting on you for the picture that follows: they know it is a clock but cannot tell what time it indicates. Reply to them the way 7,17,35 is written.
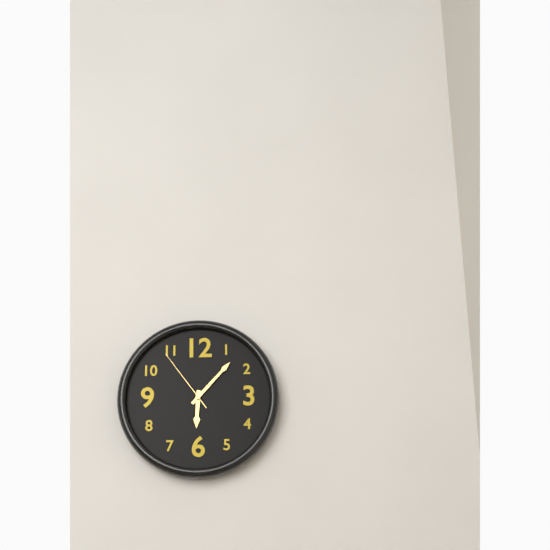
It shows 6,07,54
